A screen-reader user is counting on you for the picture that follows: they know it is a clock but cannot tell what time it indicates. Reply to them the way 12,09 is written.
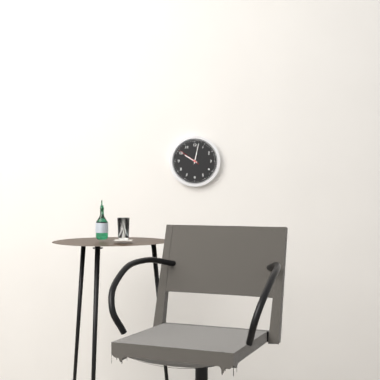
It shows 10,02
